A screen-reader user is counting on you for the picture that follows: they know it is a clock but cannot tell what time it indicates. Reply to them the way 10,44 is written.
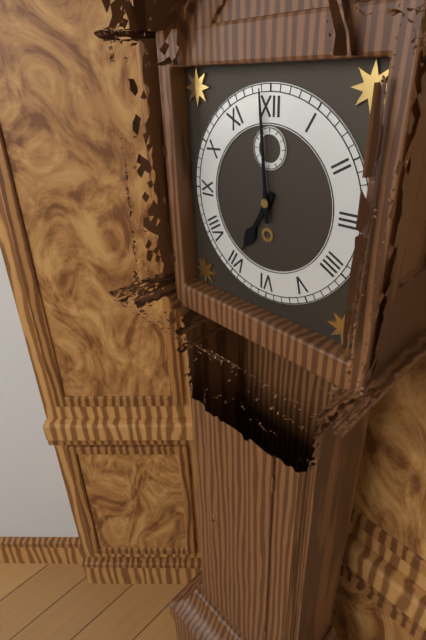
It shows 6,59
